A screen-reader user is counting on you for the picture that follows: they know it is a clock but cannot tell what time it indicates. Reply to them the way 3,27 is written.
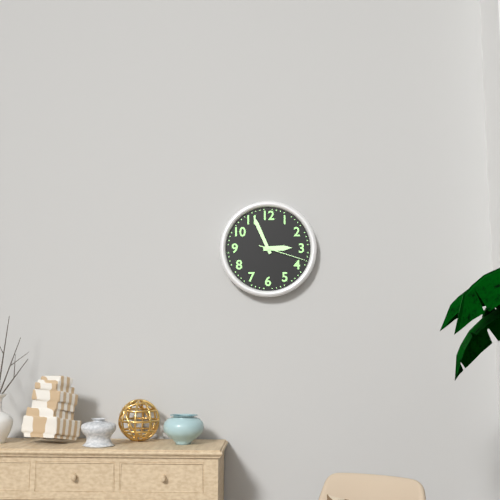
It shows 2,56
